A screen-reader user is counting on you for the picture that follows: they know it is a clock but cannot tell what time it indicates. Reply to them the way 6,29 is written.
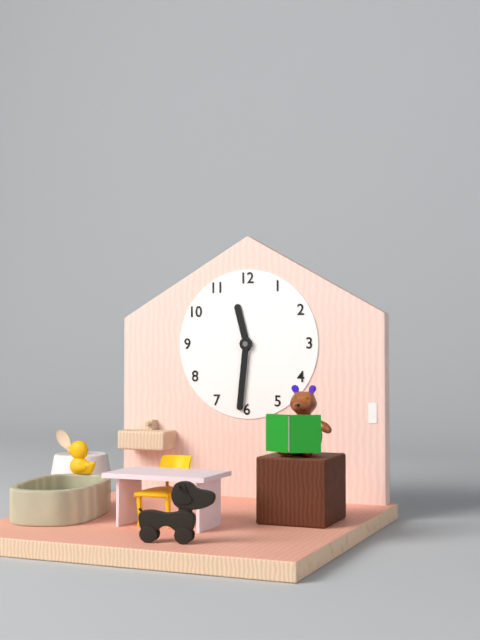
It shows 11,31
